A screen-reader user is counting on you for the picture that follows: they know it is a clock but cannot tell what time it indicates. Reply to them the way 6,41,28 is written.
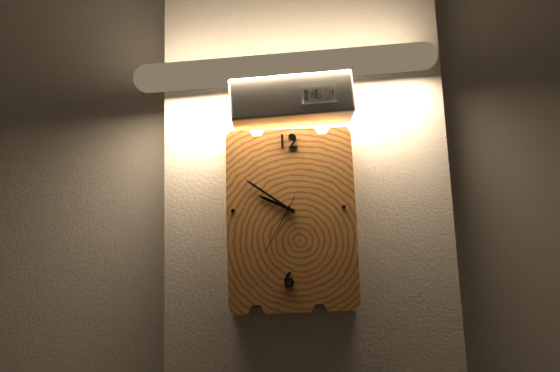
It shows 9,51,35
